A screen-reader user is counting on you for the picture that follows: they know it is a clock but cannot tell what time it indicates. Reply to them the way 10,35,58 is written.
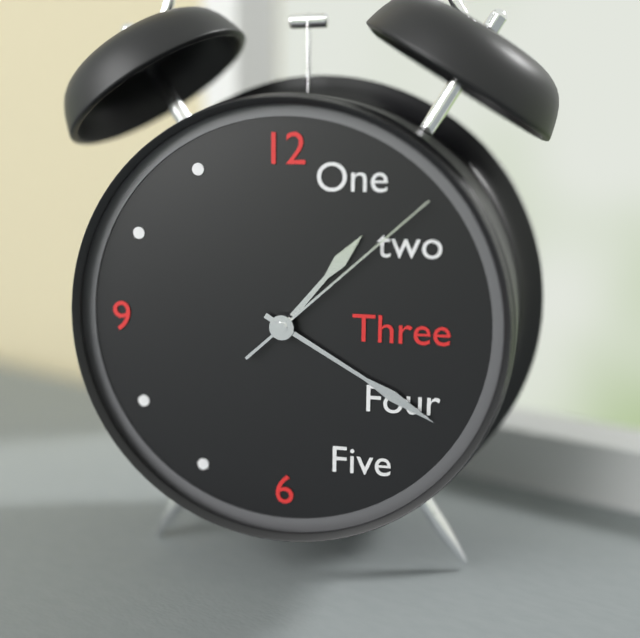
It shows 1,20,08
